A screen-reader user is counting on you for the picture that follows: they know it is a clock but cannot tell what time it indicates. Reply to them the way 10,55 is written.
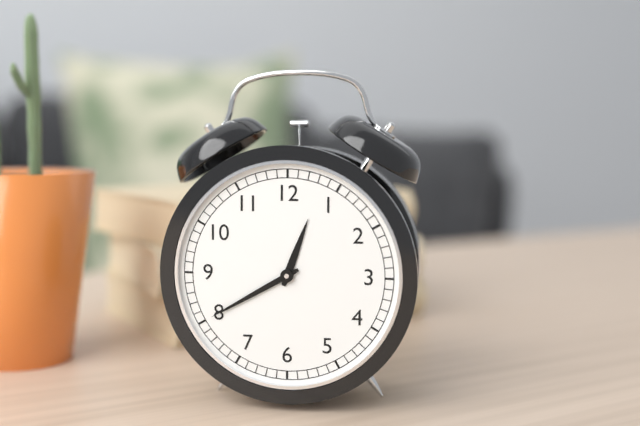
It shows 12,40
